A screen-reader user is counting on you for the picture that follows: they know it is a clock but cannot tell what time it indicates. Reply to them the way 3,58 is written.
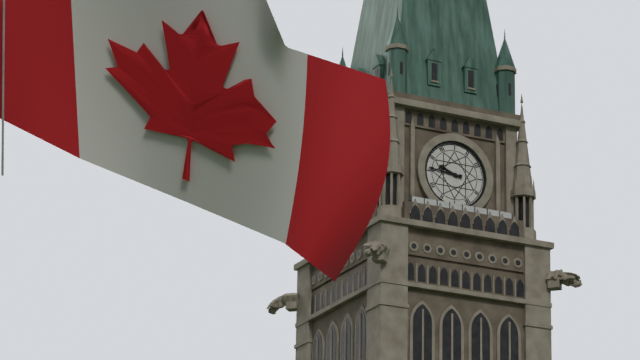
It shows 9,46
